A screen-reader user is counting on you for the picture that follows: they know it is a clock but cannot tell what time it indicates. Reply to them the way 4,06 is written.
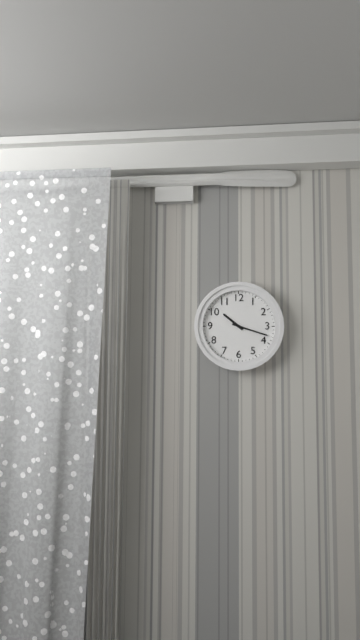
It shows 10,18
